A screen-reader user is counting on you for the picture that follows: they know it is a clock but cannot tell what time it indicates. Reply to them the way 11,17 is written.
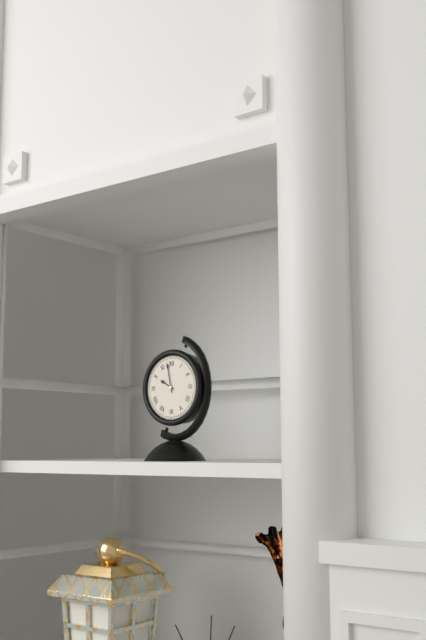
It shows 9,58
